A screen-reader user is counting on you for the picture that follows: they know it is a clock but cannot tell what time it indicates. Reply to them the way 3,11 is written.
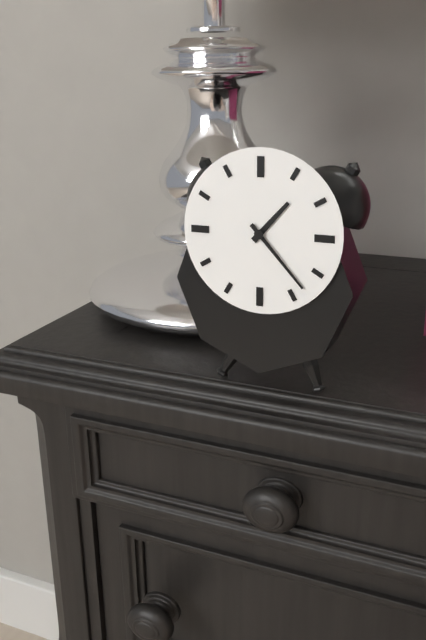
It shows 1,23
